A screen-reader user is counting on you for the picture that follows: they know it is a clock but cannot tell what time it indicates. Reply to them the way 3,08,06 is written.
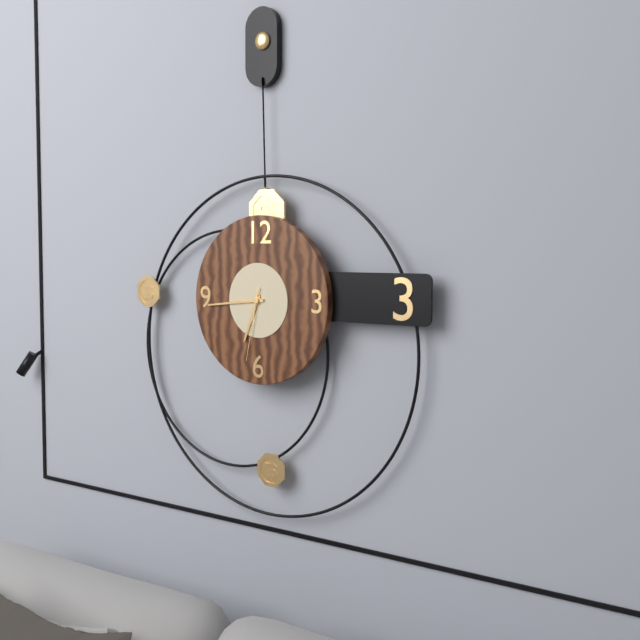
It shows 6,44,32
